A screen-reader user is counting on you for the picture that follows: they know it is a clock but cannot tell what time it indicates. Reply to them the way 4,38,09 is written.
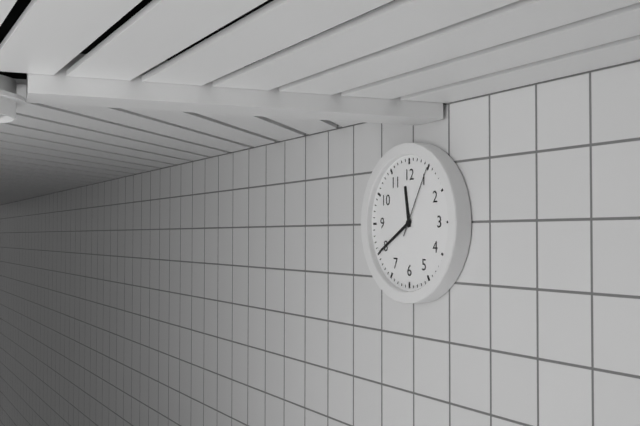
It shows 11,40,05
